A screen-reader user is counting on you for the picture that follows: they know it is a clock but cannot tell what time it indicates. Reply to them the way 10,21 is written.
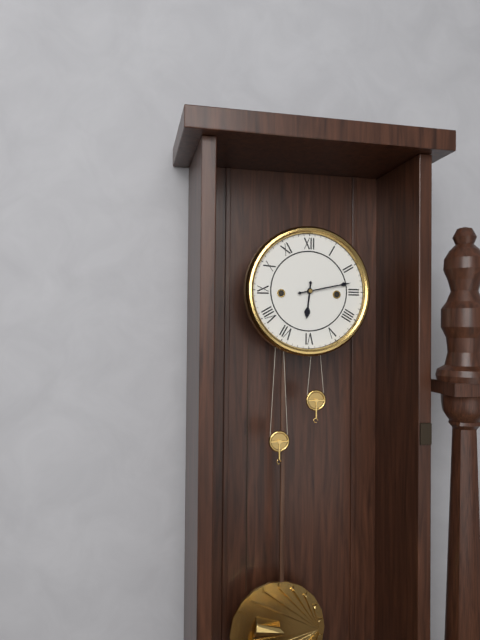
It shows 6,13
